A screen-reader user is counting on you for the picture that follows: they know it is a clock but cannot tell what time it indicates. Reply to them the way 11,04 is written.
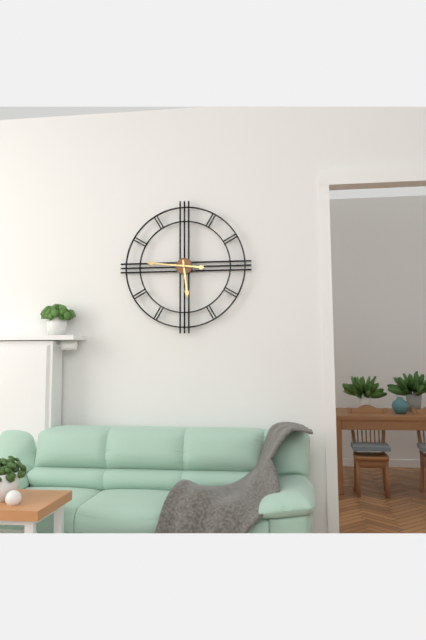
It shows 5,46
